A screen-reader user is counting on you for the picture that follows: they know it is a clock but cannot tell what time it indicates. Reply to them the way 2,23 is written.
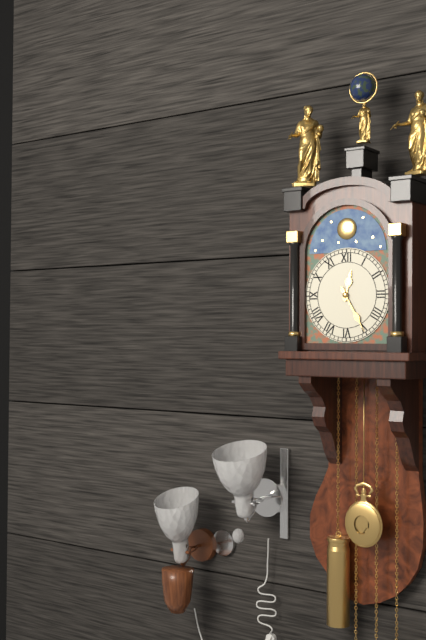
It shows 12,25
